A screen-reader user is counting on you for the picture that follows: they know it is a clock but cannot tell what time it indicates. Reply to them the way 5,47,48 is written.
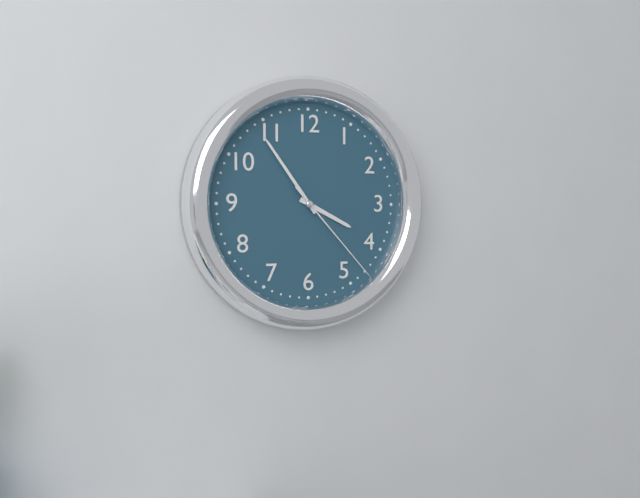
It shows 3,54,23
